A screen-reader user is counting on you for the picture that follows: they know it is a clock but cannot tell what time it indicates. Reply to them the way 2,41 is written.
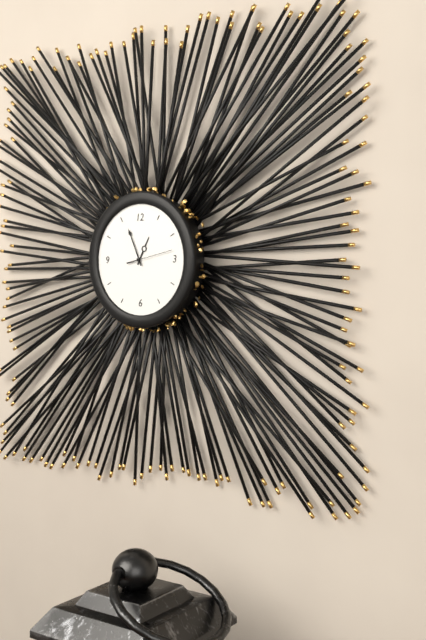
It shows 12,56
